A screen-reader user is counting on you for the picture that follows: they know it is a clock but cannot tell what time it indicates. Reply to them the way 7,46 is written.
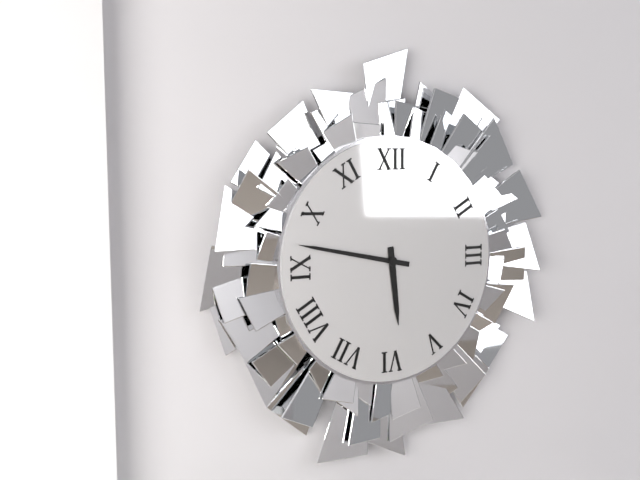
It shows 5,47
